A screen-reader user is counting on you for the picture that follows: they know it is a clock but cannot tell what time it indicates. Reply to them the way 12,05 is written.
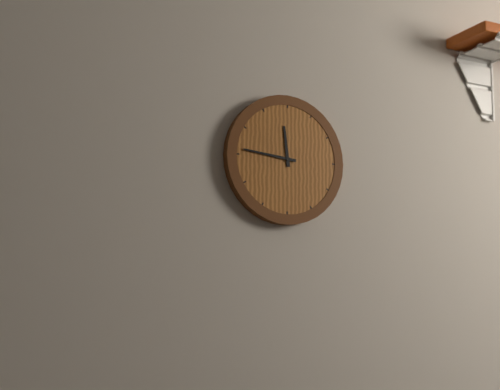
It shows 11,46
